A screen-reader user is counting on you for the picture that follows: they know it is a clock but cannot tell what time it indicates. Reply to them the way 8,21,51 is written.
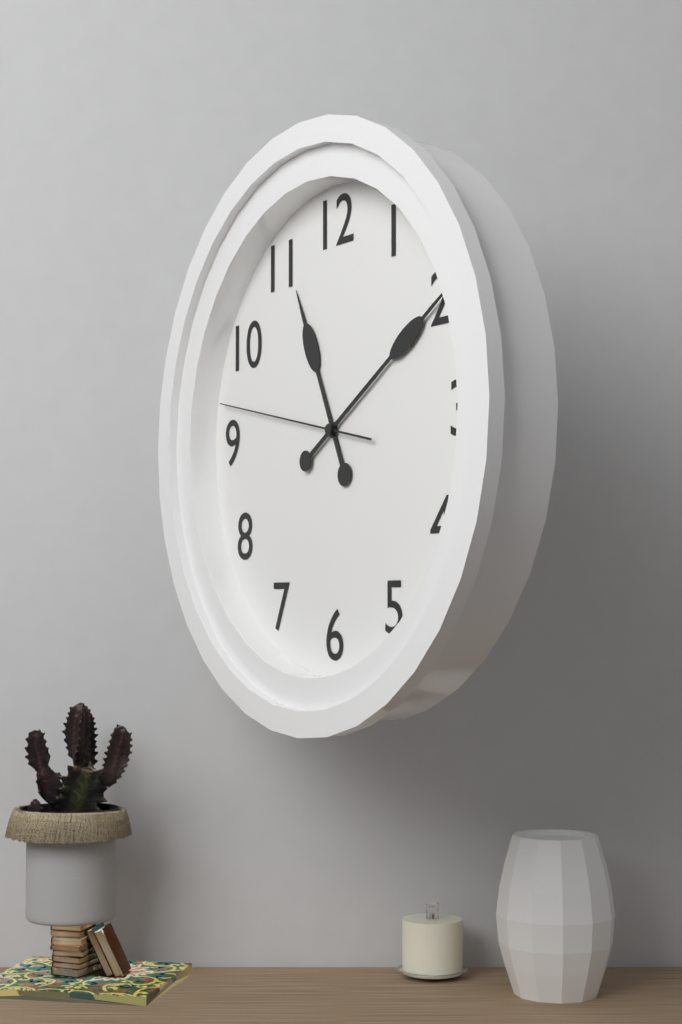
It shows 11,10,47
